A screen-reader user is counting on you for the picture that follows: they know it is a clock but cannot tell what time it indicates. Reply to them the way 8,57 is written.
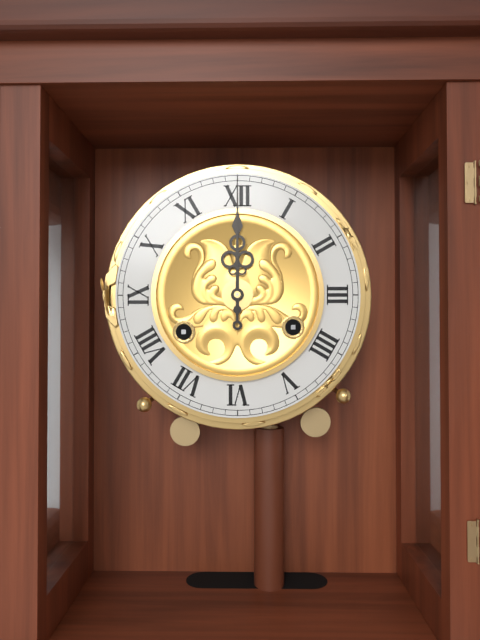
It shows 12,00
